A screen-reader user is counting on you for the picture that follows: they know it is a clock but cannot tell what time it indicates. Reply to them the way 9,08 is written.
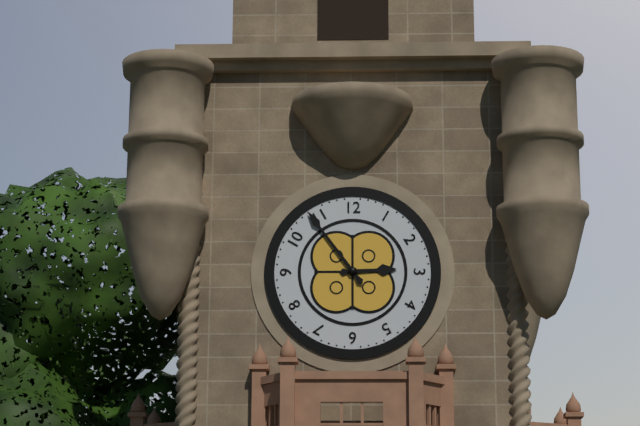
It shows 2,54
